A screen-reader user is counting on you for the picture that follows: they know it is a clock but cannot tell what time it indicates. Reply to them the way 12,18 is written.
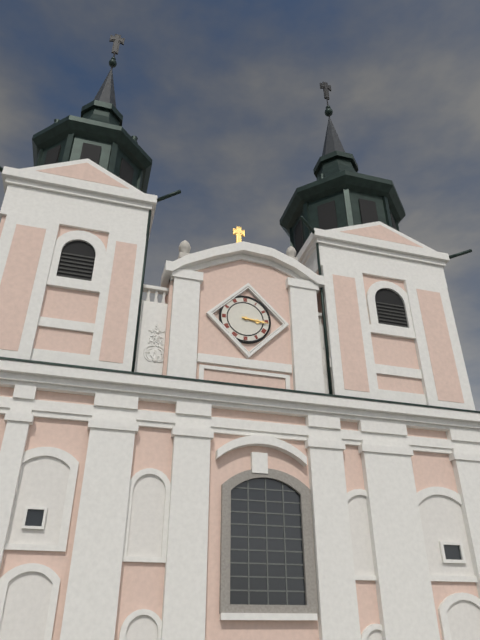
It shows 3,16
